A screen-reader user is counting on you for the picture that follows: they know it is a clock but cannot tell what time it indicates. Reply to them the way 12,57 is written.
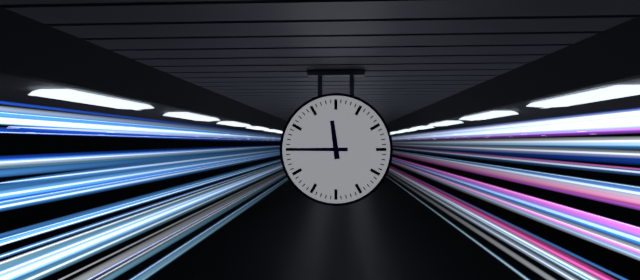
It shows 11,45
